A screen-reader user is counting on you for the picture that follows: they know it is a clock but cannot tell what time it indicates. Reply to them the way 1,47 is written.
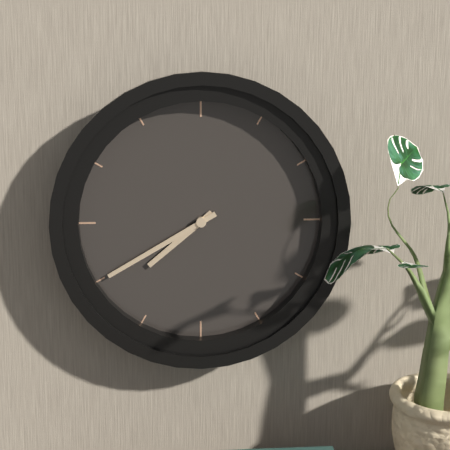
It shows 7,40
